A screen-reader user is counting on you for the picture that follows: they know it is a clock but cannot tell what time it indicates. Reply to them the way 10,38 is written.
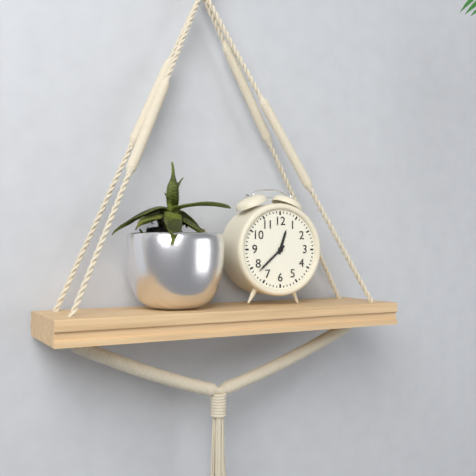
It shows 12,38
